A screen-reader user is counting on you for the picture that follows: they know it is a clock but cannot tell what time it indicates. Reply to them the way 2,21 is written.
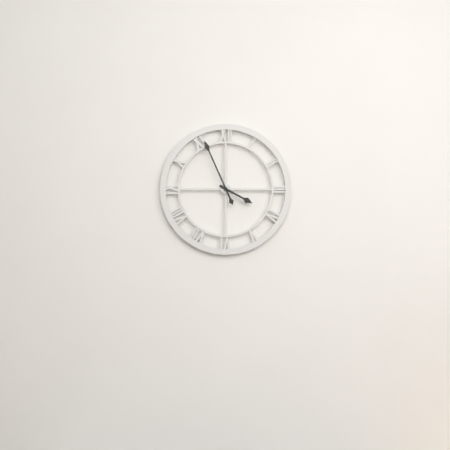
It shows 3,56
